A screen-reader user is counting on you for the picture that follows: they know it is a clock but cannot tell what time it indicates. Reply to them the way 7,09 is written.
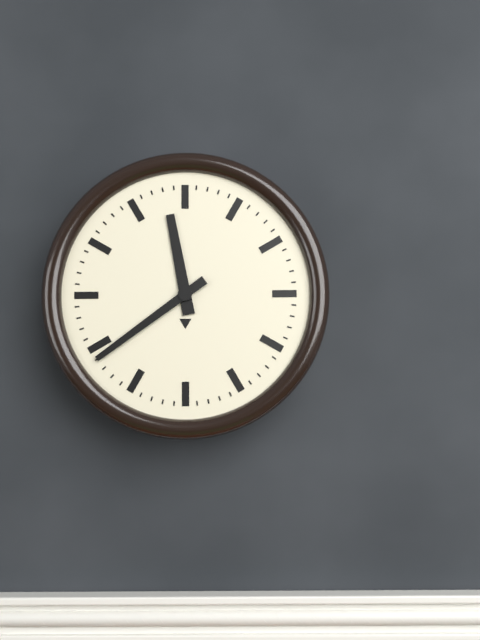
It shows 11,39
